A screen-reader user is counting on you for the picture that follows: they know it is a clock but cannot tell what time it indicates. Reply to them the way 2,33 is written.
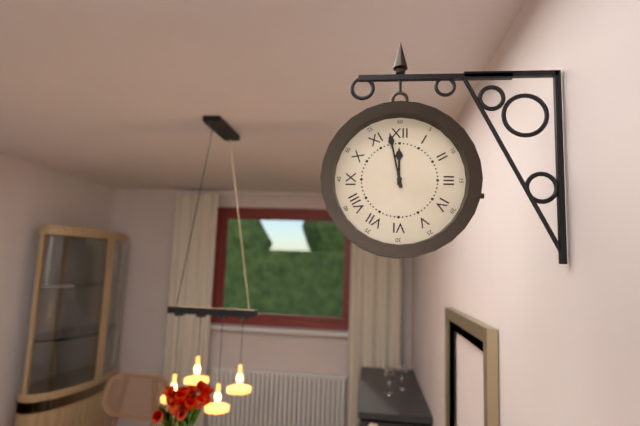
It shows 11,58
